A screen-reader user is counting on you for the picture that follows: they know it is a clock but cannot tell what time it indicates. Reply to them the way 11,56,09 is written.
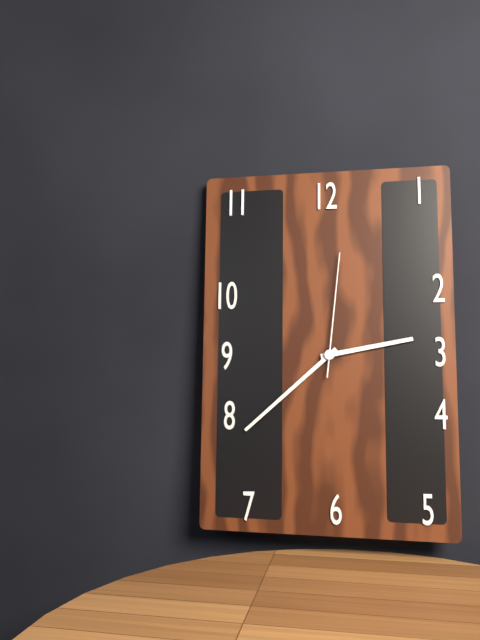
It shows 2,38,01
